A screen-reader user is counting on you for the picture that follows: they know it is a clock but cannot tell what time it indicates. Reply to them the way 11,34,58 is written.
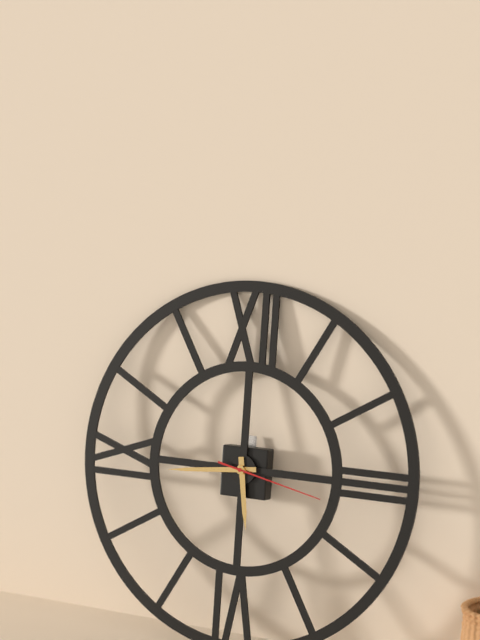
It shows 5,44,17
